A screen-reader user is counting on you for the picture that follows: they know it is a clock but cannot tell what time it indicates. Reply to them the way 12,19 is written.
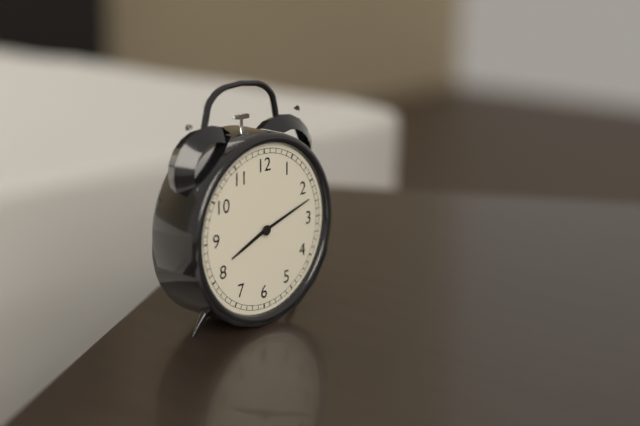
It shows 8,12
